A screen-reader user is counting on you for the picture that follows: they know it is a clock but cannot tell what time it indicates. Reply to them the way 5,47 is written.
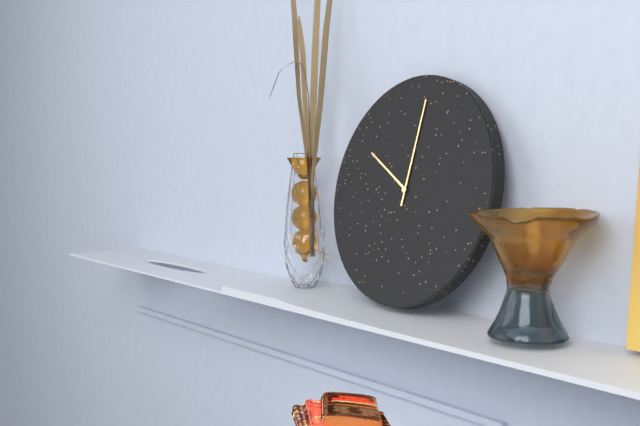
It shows 10,01
